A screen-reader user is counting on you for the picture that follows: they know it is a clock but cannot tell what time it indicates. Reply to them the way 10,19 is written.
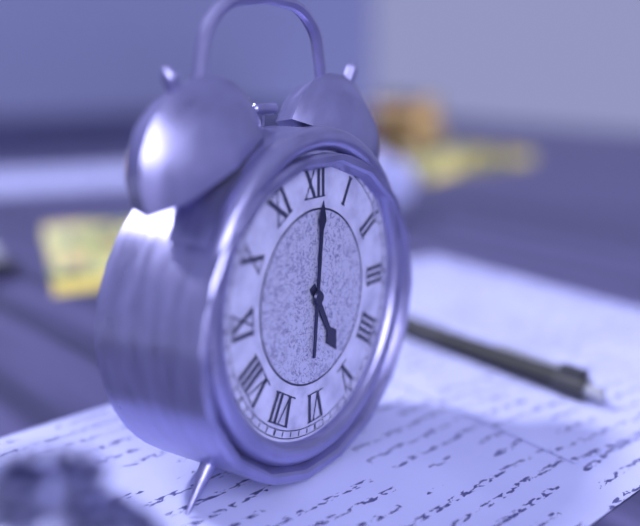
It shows 5,01
